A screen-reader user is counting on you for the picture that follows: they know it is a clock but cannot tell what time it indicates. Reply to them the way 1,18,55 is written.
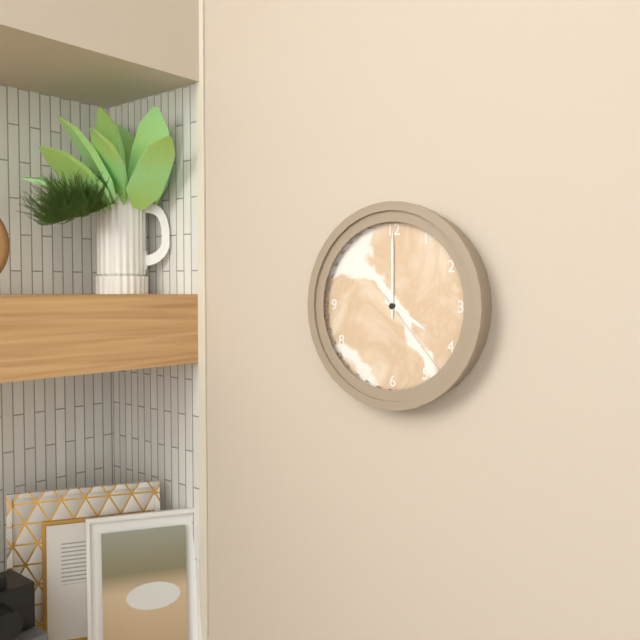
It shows 4,00,23
